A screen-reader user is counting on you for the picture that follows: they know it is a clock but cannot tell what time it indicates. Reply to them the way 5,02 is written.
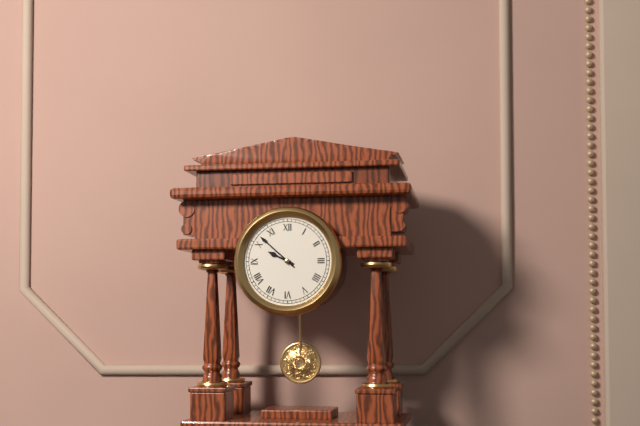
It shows 9,52
